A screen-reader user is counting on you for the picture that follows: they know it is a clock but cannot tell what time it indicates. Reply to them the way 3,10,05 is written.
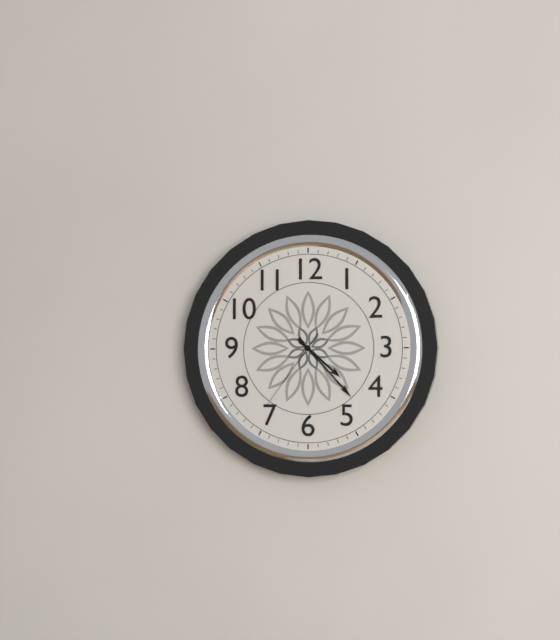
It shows 4,23,36
